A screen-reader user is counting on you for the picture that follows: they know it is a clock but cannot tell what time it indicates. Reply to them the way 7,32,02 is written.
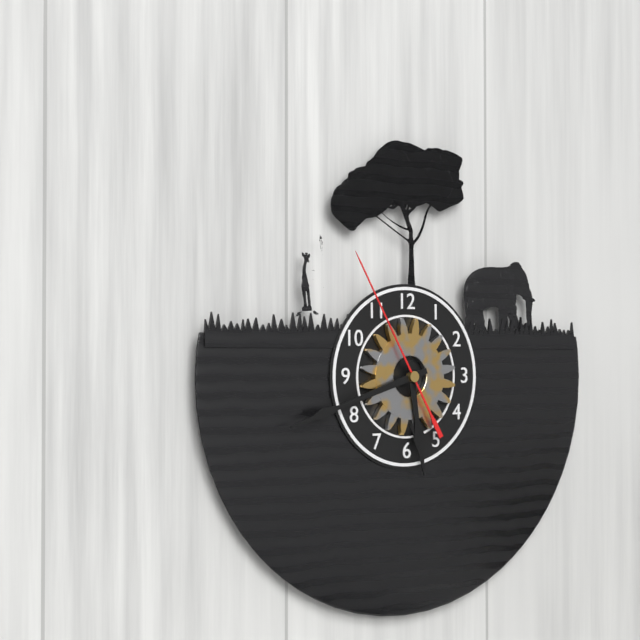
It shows 5,42,55
